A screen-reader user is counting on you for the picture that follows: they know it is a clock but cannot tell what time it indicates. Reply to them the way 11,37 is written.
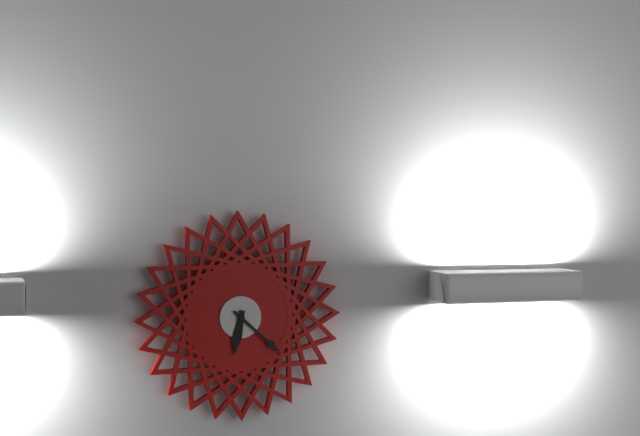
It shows 6,22
